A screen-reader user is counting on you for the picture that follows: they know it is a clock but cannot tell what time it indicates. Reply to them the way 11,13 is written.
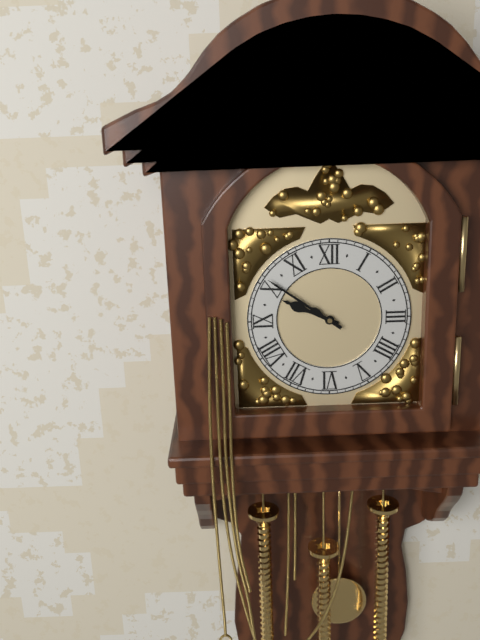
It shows 9,51
